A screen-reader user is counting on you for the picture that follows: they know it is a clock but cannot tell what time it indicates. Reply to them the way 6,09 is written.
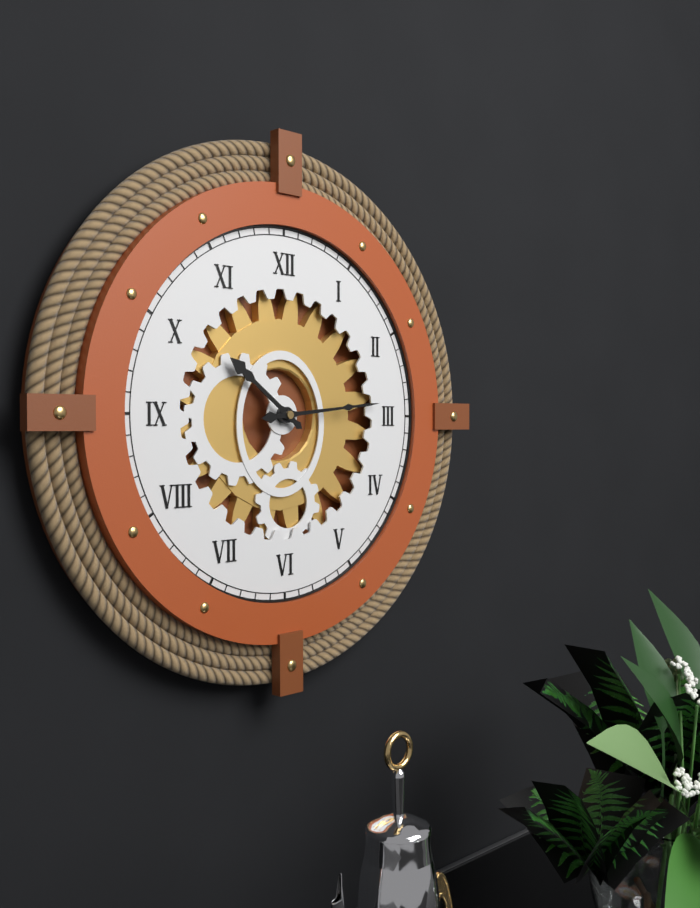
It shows 10,14
